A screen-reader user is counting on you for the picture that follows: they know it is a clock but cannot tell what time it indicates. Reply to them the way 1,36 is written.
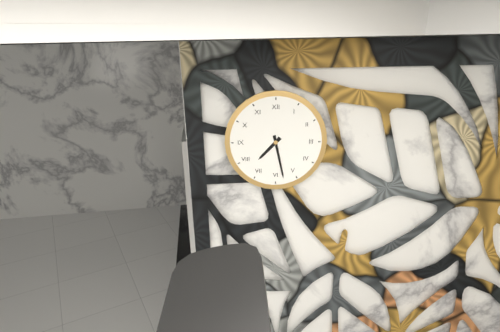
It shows 7,28
